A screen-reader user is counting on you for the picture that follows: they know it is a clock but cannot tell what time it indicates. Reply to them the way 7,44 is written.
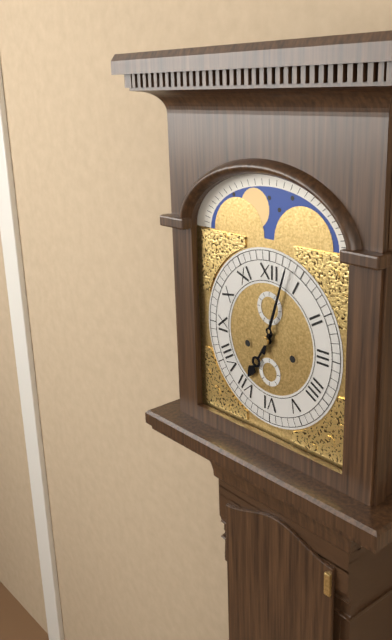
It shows 7,03
